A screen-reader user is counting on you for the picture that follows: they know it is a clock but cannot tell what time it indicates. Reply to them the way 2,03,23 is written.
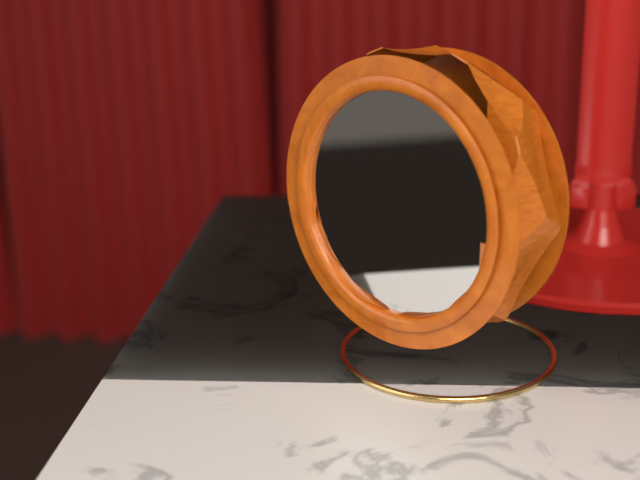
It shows 3,30,06
